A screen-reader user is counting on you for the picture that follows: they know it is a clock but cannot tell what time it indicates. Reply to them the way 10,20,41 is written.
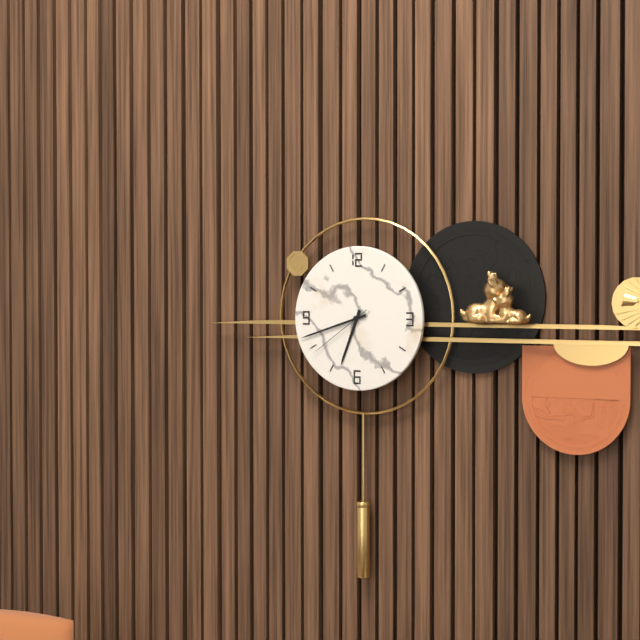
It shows 6,42,39
